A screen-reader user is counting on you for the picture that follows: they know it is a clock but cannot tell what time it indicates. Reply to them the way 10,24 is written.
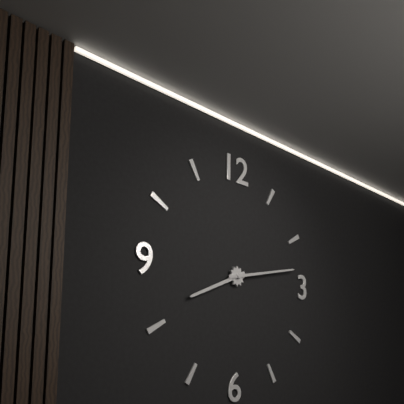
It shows 8,13
